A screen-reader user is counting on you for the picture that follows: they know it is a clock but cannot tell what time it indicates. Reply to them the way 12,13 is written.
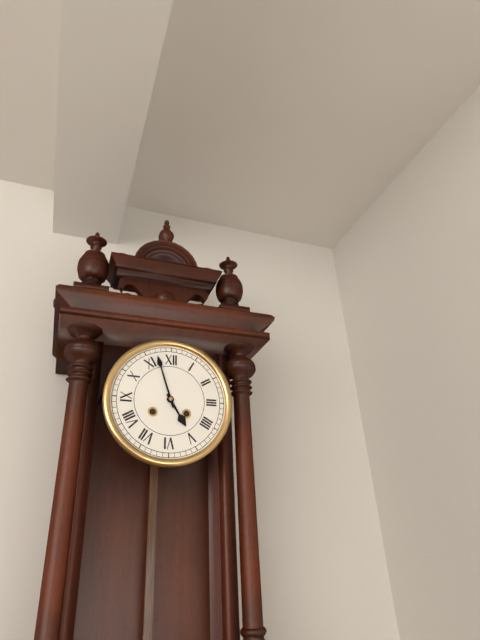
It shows 4,57
